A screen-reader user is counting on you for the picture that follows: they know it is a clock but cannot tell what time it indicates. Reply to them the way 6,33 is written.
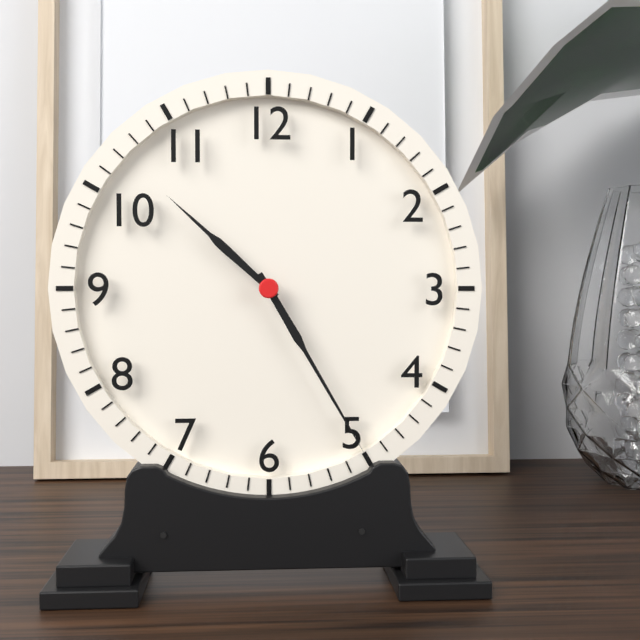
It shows 10,25
